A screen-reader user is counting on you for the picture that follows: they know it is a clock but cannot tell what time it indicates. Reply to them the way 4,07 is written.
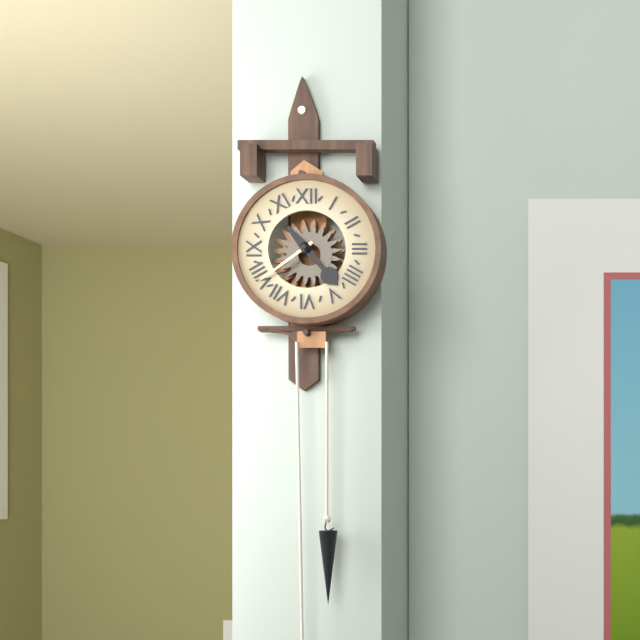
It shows 4,39
